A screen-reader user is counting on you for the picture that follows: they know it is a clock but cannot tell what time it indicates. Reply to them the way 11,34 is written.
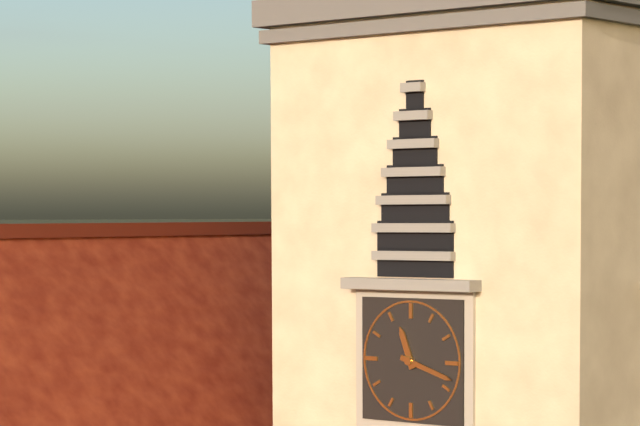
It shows 11,18
